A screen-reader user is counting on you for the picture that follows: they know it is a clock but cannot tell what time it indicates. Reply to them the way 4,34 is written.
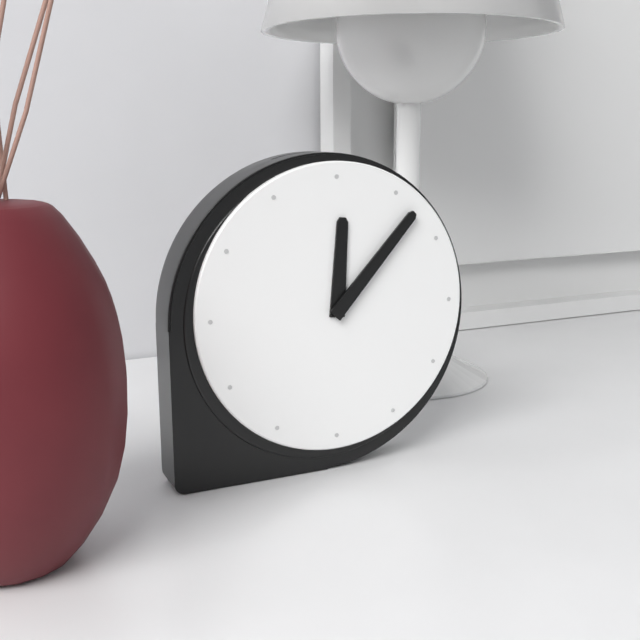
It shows 12,07
